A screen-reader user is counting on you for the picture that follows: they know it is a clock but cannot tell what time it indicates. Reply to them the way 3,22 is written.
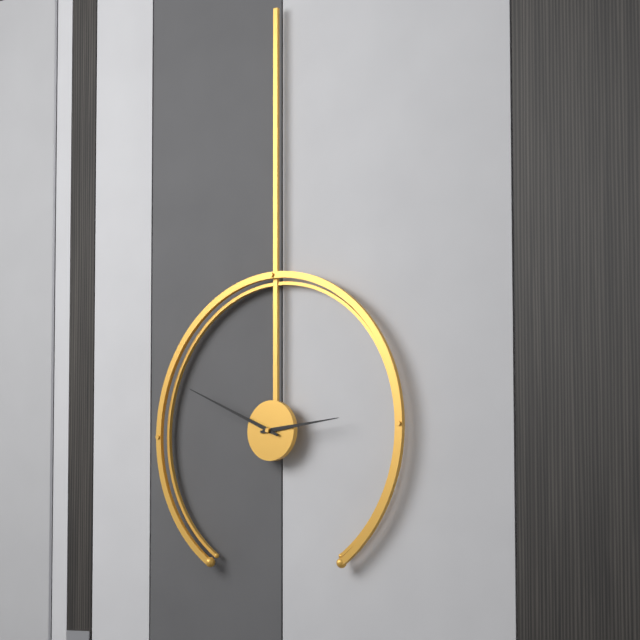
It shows 2,49
